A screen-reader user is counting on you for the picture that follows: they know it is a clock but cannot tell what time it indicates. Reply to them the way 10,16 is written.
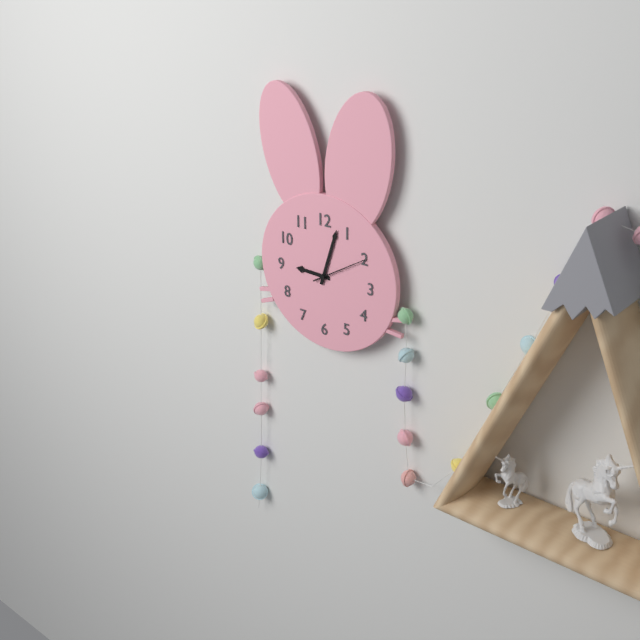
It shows 9,03
